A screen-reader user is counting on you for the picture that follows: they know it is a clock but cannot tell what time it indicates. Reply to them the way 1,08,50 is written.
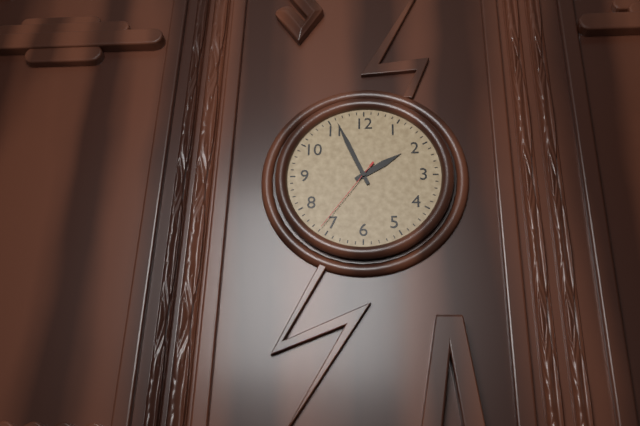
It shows 1,56,36
